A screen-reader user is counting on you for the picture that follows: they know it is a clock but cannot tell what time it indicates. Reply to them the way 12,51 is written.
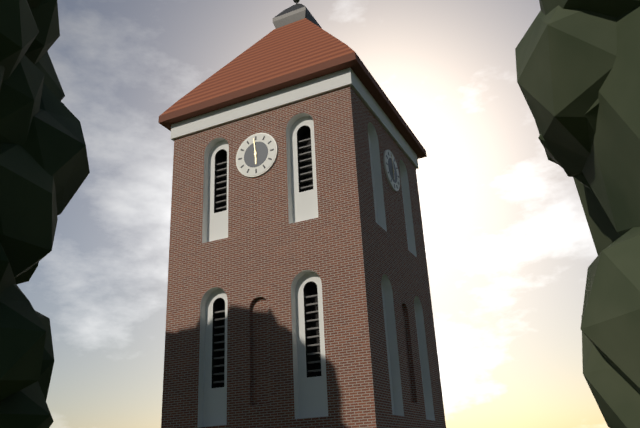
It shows 5,59
